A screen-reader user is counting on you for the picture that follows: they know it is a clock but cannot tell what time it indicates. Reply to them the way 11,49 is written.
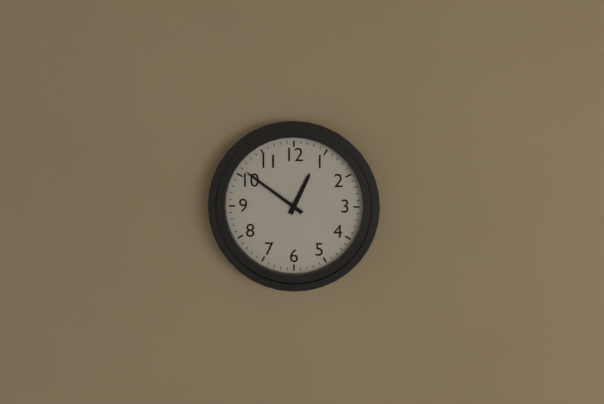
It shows 12,51
